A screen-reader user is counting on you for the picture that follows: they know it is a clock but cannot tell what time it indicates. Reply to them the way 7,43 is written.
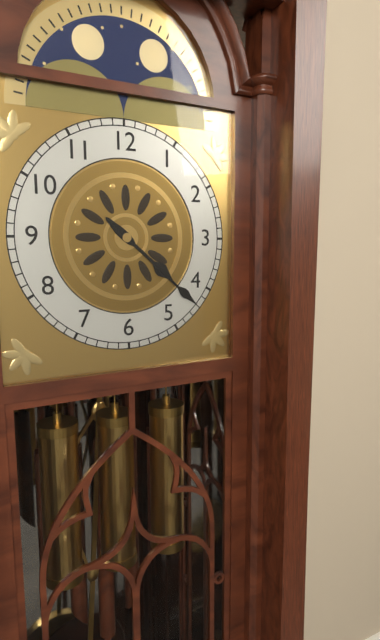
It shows 4,22
